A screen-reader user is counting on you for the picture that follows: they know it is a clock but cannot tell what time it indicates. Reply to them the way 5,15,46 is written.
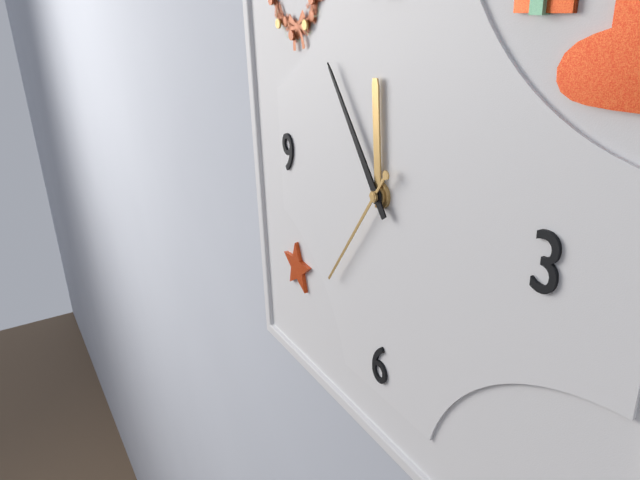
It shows 11,54,36
